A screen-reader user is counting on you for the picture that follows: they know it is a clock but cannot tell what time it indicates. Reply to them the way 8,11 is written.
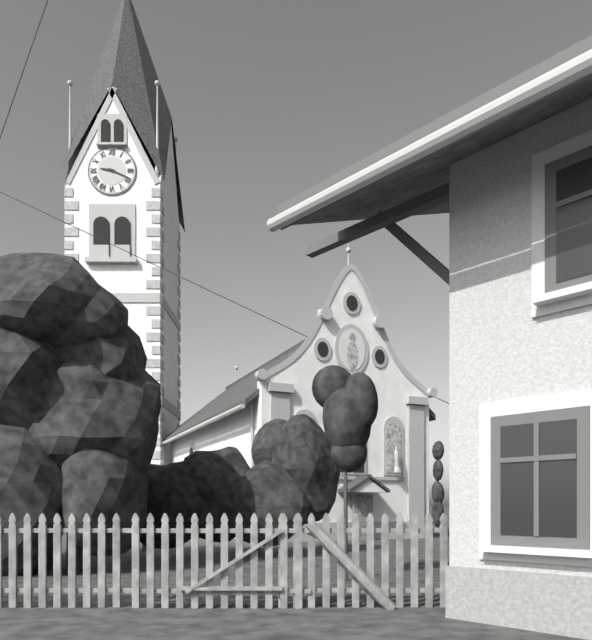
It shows 9,19
